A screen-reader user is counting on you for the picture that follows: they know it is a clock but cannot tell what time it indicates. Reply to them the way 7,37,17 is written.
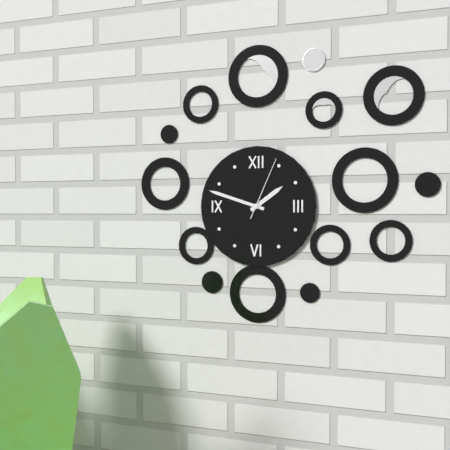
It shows 1,48,04
